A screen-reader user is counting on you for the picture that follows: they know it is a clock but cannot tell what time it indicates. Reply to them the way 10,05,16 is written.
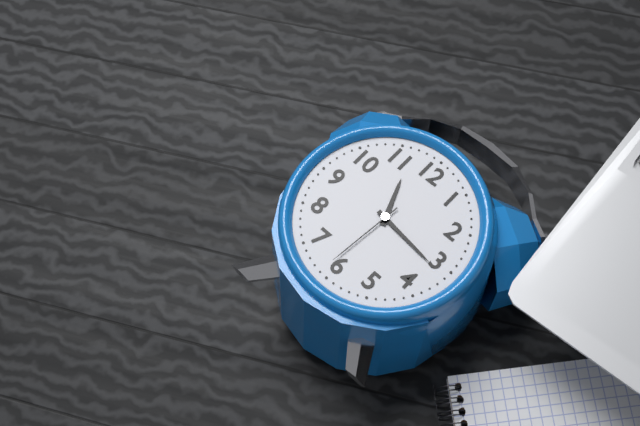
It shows 11,16,31
